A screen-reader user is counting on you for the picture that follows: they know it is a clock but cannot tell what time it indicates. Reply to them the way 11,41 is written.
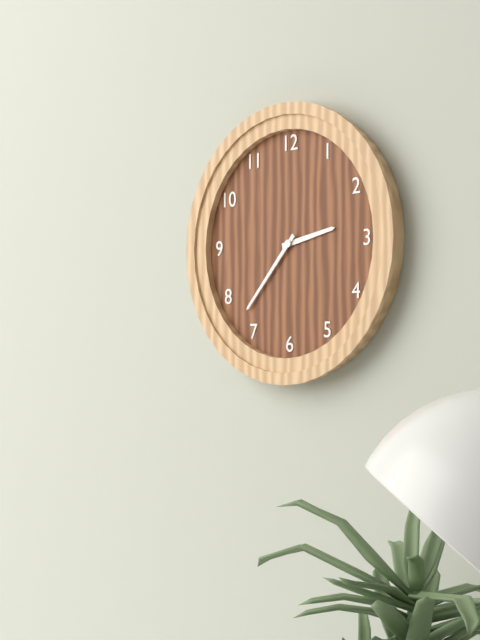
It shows 2,37
